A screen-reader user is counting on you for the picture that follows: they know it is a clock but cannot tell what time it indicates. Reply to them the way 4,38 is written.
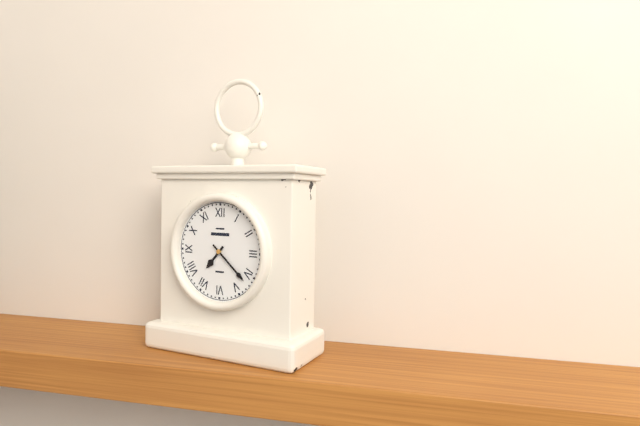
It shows 7,22
